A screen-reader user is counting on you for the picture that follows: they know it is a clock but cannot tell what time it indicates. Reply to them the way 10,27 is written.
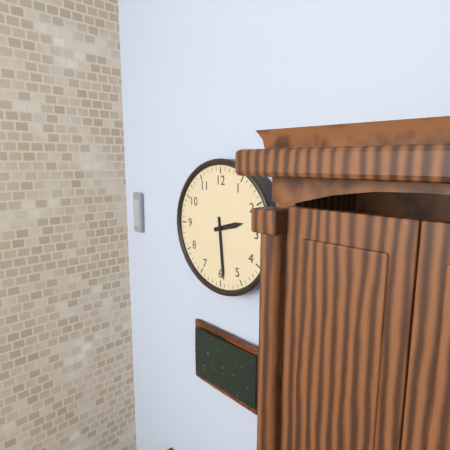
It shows 2,29
